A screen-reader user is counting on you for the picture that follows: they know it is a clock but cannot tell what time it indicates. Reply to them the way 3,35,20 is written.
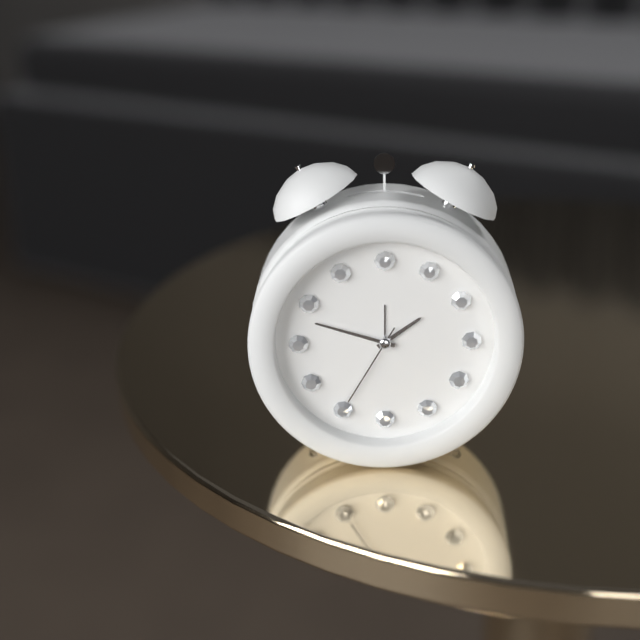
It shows 1,48,35
